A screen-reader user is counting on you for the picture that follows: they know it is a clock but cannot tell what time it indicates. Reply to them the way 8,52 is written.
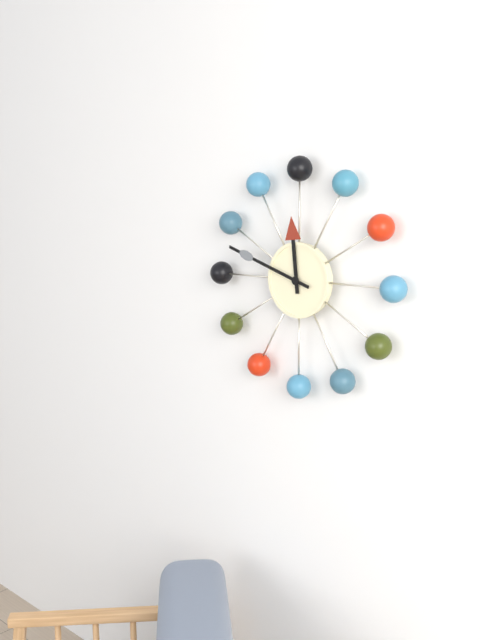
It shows 11,48
